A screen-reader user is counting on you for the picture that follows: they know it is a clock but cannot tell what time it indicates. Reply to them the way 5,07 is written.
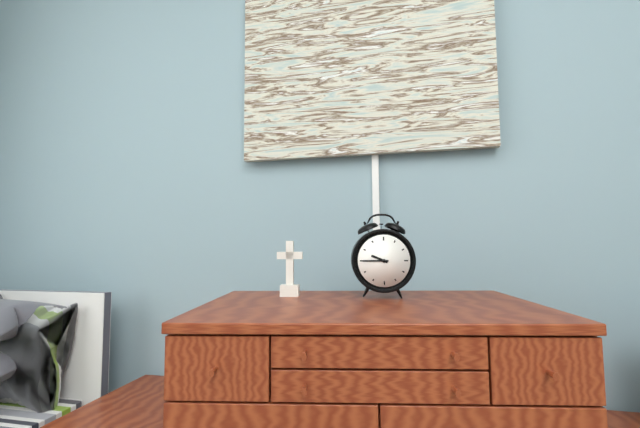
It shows 9,45
